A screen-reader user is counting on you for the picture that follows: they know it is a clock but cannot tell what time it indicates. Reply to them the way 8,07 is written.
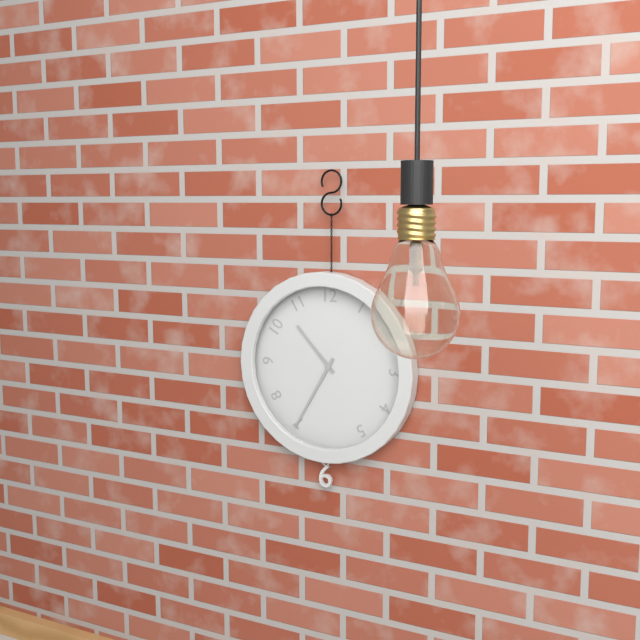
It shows 10,35
